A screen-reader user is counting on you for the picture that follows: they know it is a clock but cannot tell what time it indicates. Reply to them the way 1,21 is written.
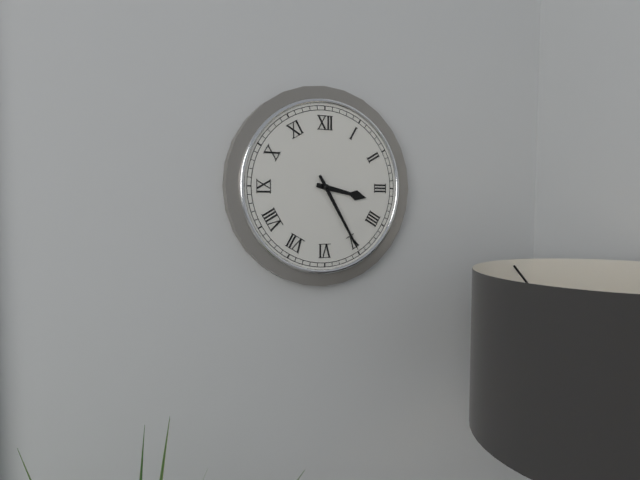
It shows 3,25
